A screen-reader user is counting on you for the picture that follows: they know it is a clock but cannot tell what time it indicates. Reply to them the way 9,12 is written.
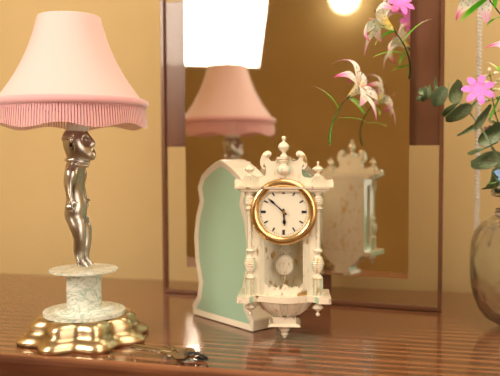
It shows 5,52
